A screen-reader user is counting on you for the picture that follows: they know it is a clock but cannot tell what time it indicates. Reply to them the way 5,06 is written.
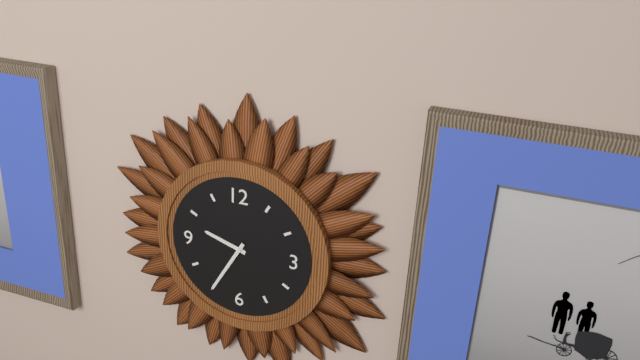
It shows 9,35
